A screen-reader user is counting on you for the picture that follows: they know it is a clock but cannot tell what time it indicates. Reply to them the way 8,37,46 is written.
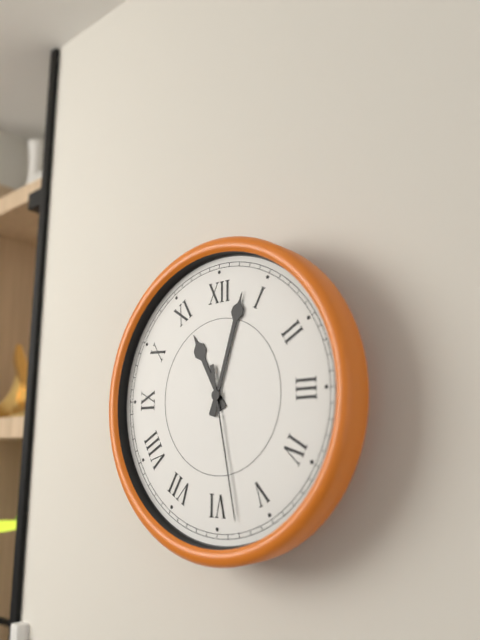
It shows 11,03,28
